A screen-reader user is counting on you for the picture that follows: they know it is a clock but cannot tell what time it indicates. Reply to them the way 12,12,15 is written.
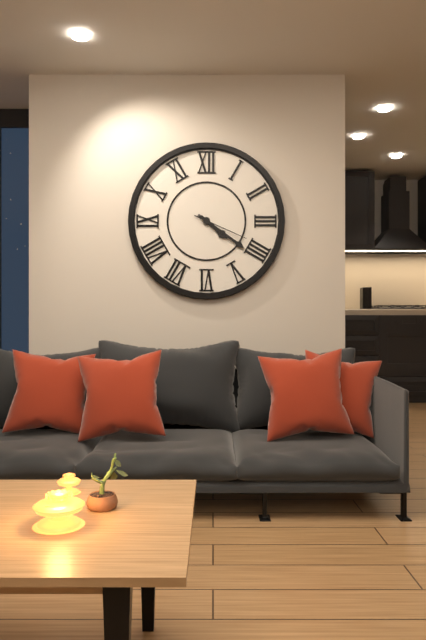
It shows 4,21,19
